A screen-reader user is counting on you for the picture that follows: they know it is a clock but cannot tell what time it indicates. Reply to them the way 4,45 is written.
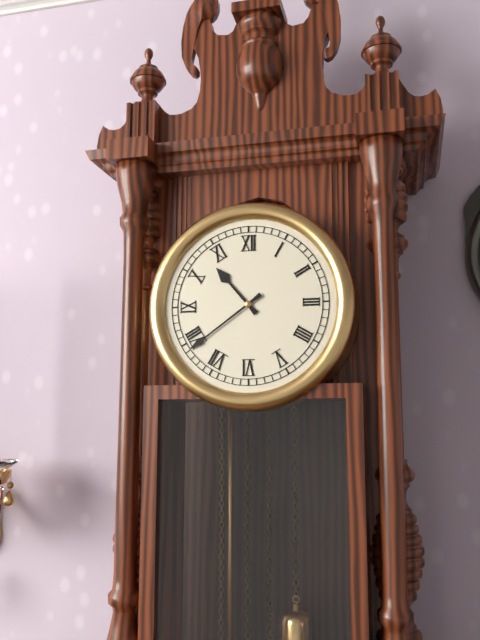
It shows 10,39
